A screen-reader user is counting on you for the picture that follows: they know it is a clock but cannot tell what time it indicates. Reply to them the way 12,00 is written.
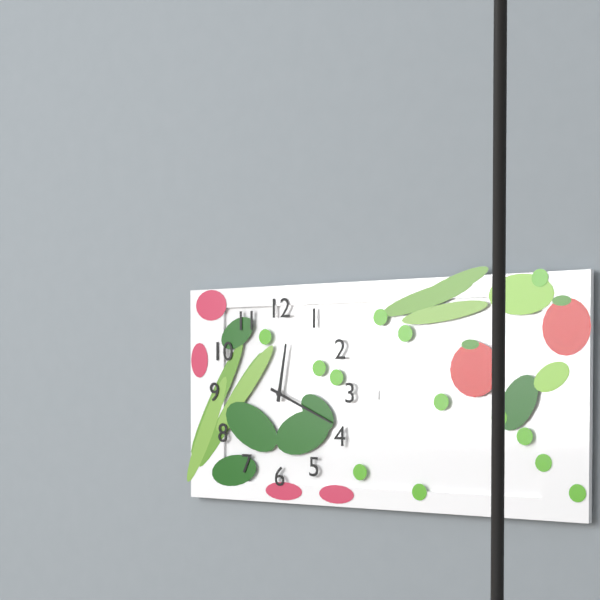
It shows 12,19
